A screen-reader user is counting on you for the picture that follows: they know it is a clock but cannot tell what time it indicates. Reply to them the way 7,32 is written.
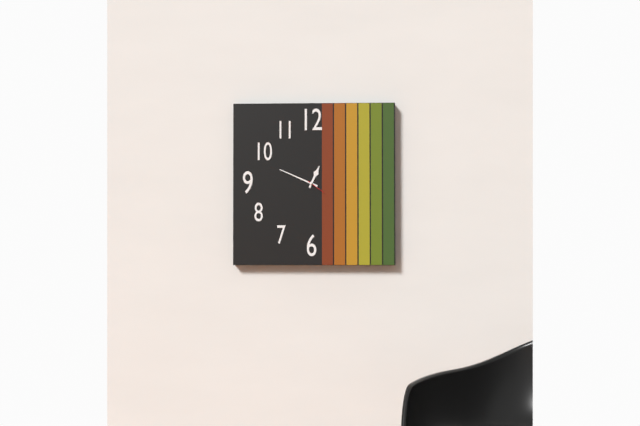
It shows 12,49
